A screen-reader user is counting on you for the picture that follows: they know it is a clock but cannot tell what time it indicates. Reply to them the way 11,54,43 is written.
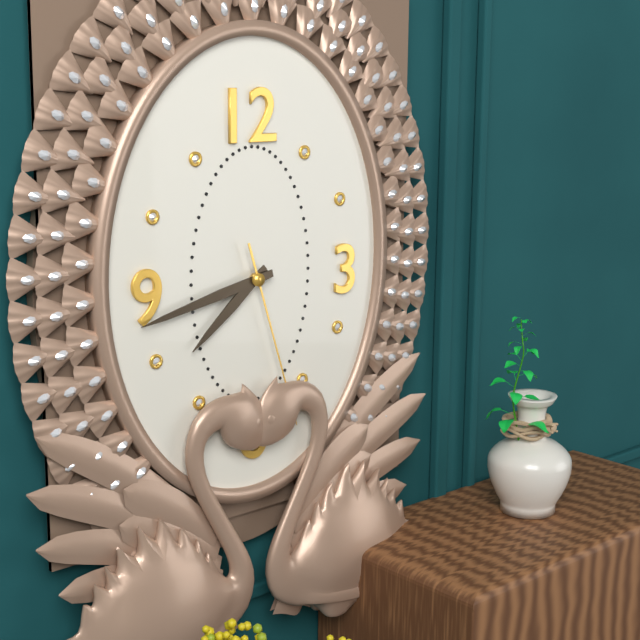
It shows 7,43,27
